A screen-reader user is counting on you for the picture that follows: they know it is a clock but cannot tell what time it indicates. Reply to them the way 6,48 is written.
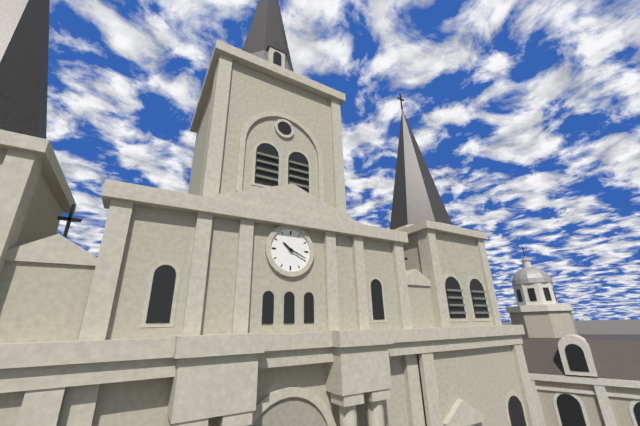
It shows 10,19
